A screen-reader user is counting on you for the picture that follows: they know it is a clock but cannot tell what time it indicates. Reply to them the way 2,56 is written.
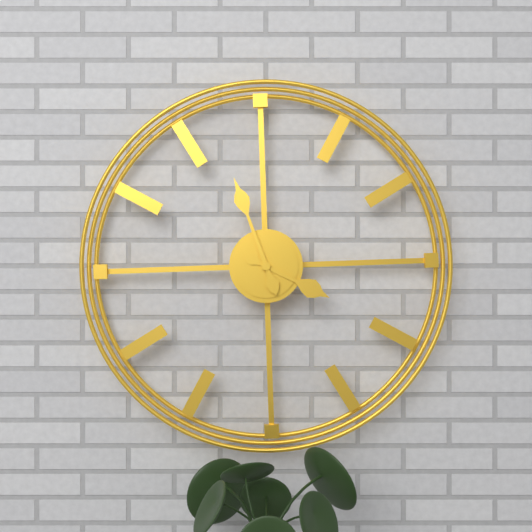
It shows 3,57
